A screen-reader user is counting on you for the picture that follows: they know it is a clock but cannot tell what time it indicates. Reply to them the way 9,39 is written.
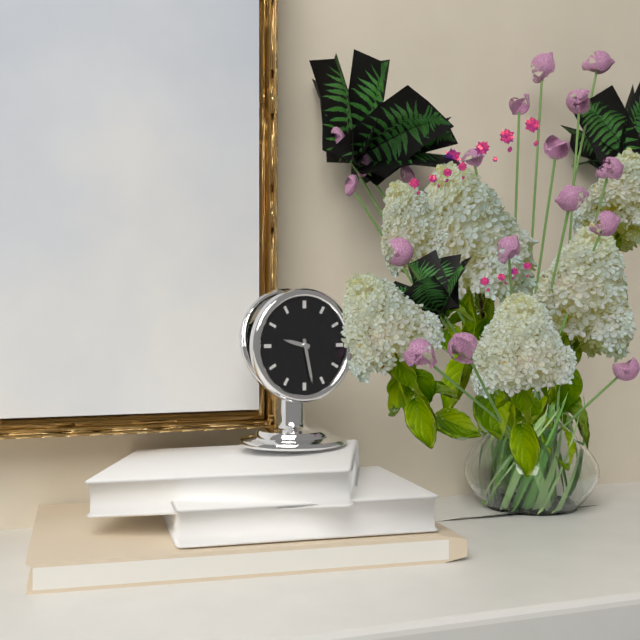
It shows 9,28
